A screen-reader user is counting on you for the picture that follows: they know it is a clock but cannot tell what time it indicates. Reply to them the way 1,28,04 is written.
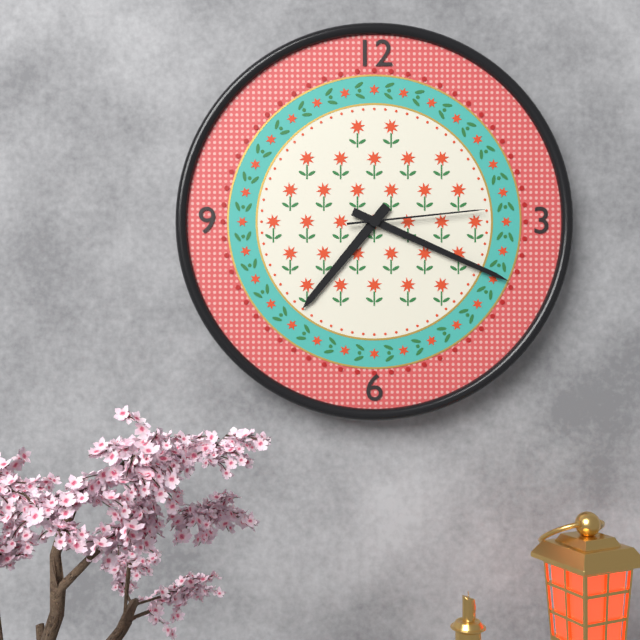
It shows 7,19,14
